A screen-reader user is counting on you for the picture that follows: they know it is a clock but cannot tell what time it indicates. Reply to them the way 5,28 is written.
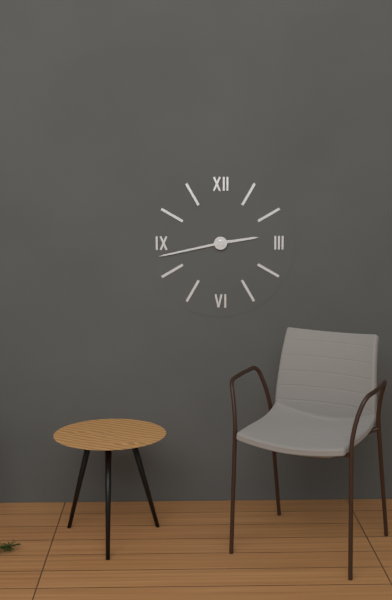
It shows 2,43
